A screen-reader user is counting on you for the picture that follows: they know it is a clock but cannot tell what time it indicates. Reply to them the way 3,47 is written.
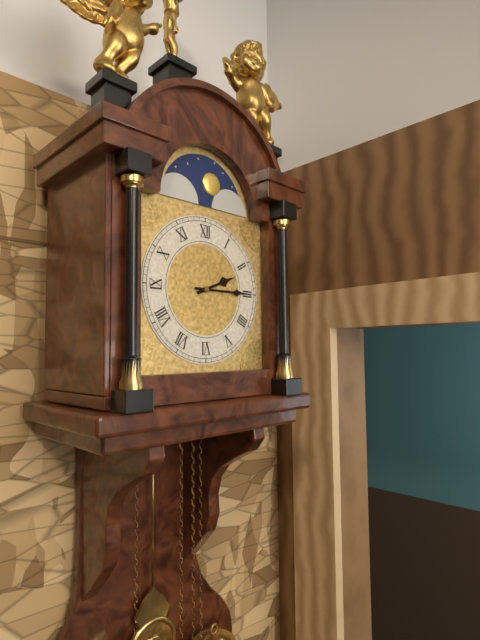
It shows 2,15
